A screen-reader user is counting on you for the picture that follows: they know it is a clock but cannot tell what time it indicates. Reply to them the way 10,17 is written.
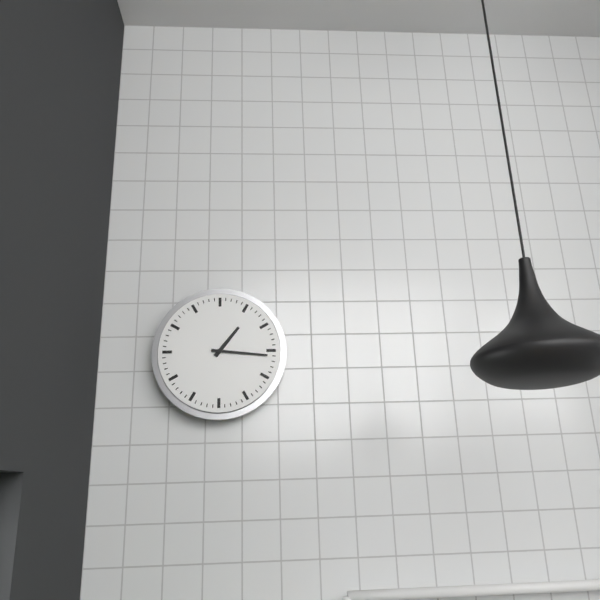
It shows 1,16
